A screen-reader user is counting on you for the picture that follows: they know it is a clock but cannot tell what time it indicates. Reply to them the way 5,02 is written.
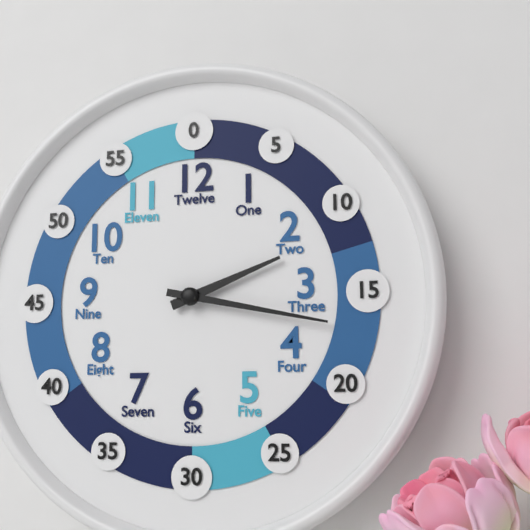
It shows 2,17
